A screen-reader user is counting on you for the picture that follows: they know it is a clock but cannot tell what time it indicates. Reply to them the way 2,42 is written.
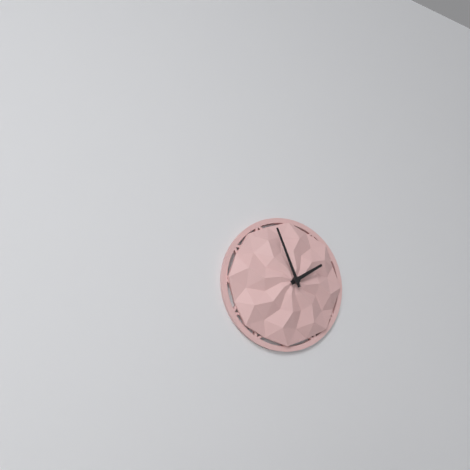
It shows 1,56
